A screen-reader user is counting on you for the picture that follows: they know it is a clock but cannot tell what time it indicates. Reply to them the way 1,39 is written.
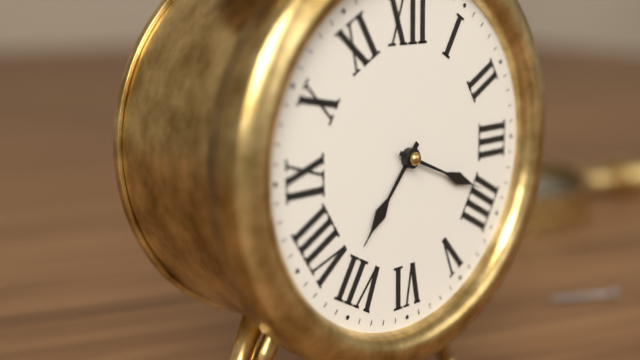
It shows 7,19
